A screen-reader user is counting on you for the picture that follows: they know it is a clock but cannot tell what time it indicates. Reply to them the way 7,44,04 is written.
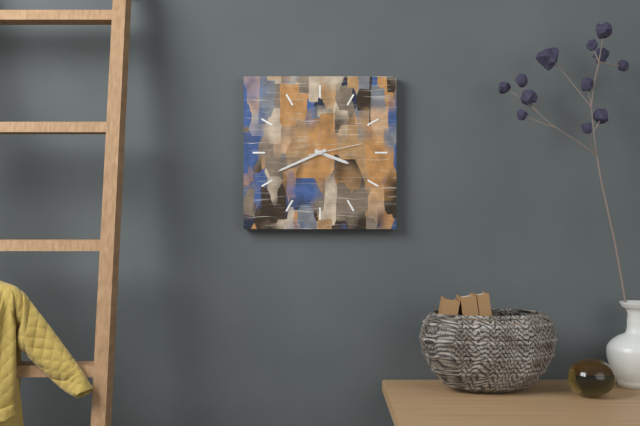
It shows 3,41,13
